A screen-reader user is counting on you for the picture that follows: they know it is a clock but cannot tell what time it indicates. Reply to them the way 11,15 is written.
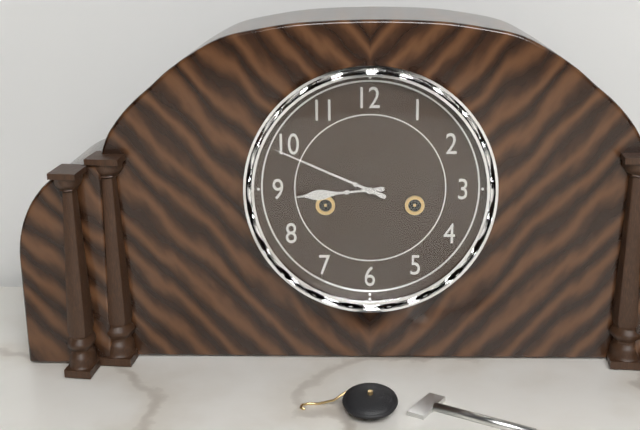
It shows 8,49
